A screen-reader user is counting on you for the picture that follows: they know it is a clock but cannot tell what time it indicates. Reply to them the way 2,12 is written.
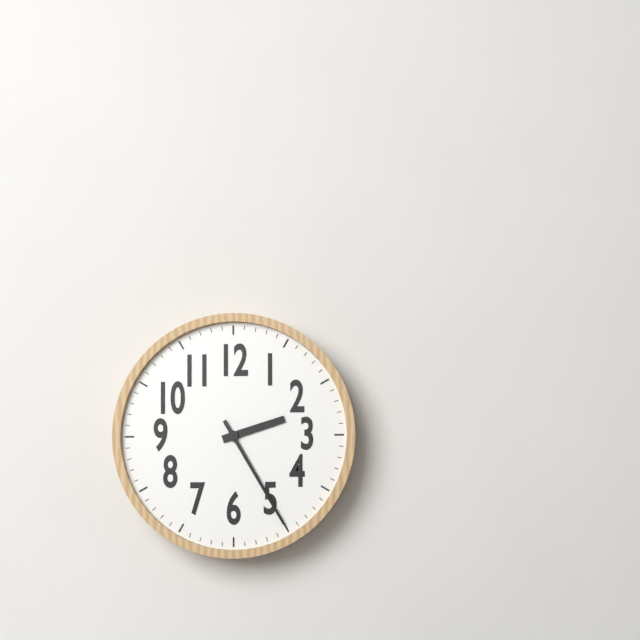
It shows 2,25
